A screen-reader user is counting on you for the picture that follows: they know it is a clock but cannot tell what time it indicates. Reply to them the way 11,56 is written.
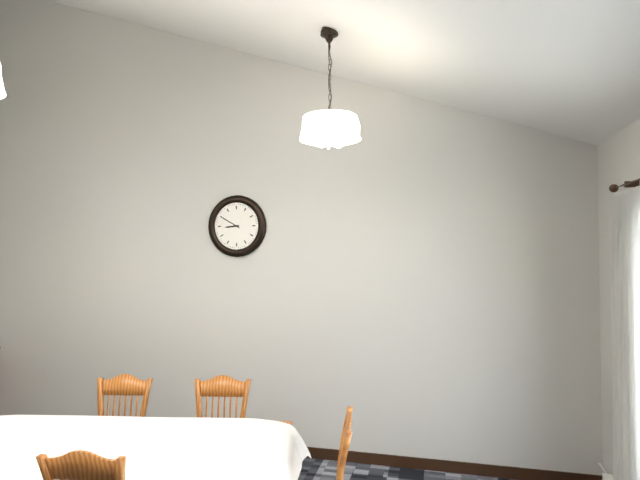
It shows 8,50
